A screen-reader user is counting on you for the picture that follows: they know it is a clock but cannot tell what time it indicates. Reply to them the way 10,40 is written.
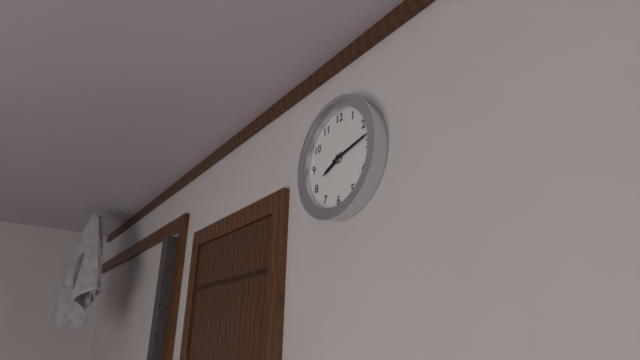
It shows 8,13
